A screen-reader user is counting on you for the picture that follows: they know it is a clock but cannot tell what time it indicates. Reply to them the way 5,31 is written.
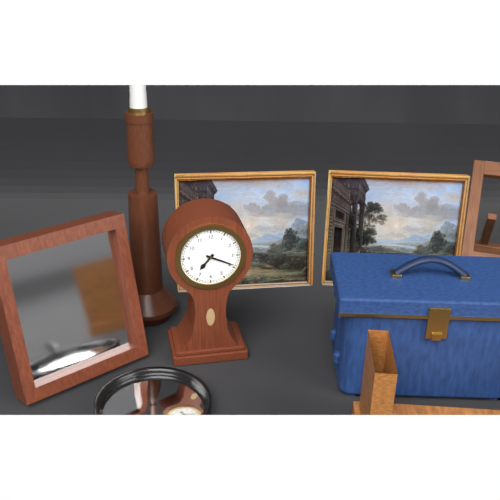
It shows 7,19
